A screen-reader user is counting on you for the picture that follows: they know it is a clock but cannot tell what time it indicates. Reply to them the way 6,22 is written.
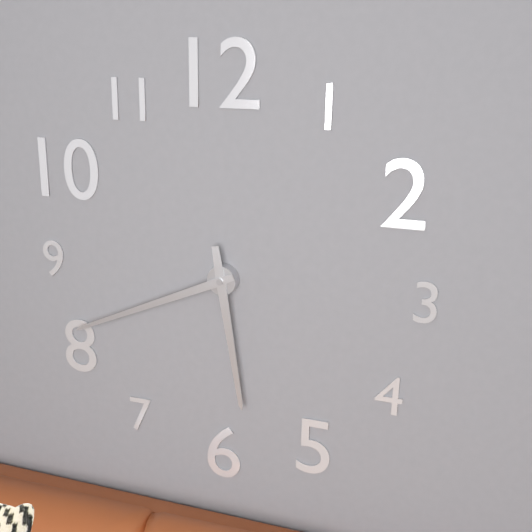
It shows 5,41
